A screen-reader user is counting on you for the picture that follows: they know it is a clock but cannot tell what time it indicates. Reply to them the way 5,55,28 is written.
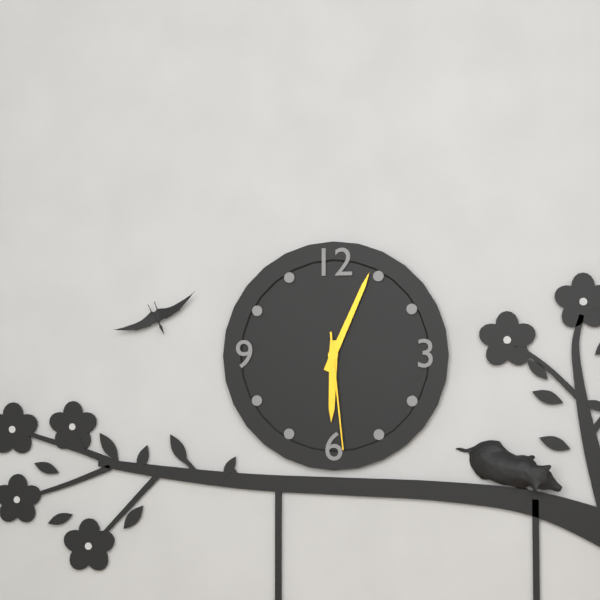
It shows 6,04,29
